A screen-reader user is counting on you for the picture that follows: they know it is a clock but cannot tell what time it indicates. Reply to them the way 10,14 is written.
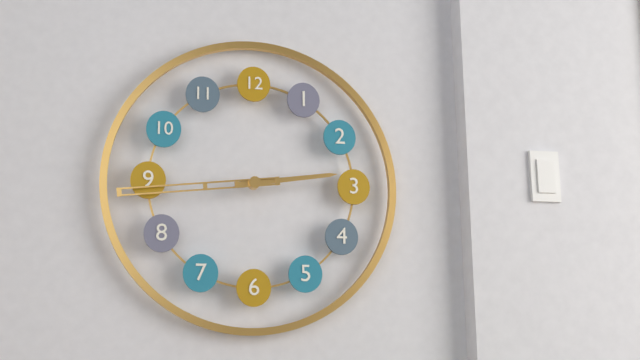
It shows 2,44
